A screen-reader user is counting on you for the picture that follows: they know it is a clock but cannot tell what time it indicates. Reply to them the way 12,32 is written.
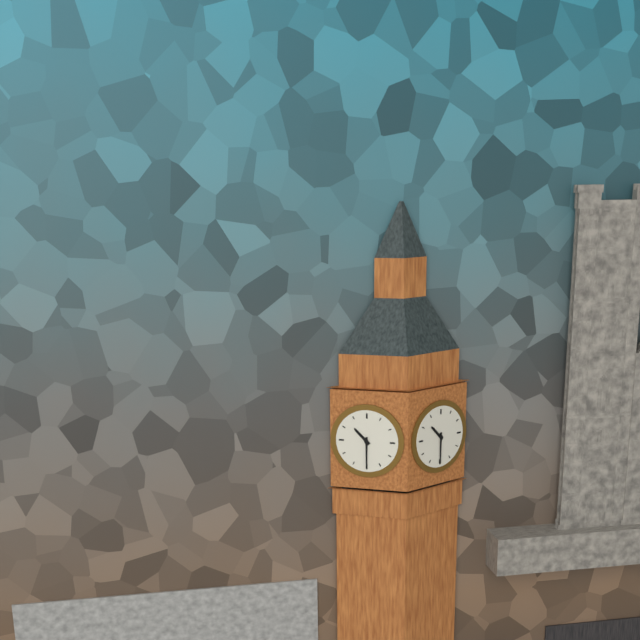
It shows 10,30
